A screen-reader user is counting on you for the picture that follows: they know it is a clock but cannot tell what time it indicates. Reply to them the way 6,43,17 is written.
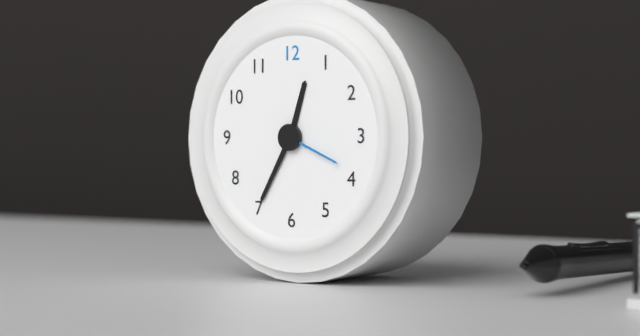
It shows 12,35,19
